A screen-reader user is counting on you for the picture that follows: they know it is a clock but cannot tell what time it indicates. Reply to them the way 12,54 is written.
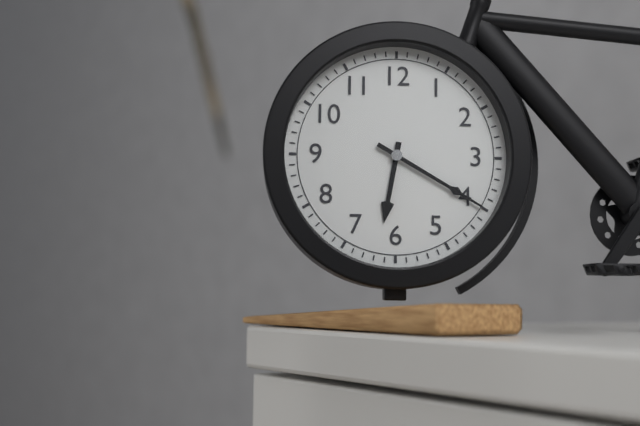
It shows 6,20
